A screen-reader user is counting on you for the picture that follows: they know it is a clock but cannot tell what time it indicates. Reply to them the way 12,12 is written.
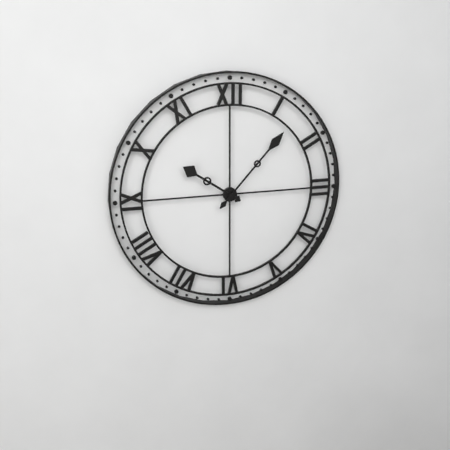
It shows 10,07
